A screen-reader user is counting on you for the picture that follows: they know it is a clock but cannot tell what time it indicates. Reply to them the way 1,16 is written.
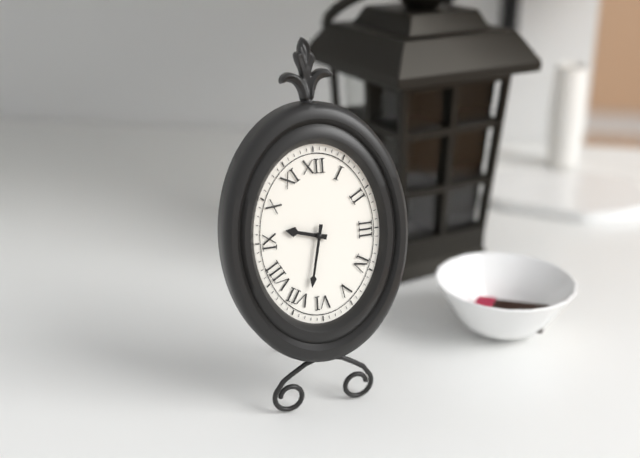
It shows 9,32
